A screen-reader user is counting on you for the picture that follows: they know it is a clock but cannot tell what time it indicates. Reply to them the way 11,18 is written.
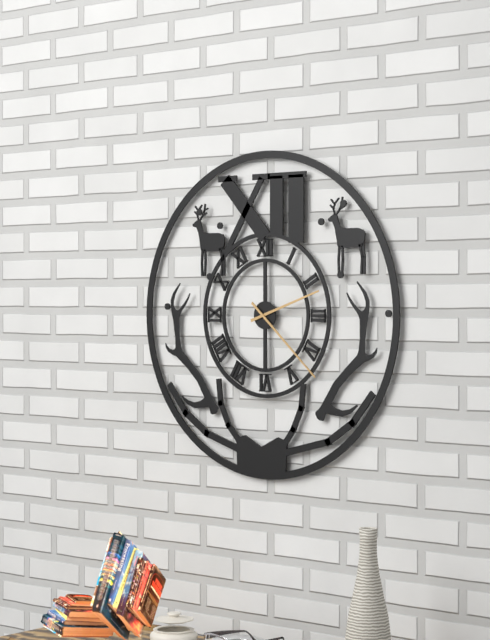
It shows 2,22
